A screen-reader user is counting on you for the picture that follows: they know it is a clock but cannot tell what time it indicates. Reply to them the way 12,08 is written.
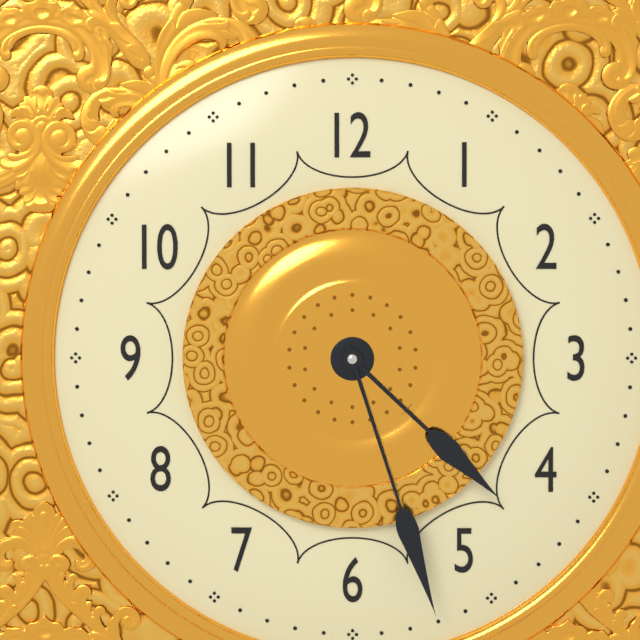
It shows 4,27
